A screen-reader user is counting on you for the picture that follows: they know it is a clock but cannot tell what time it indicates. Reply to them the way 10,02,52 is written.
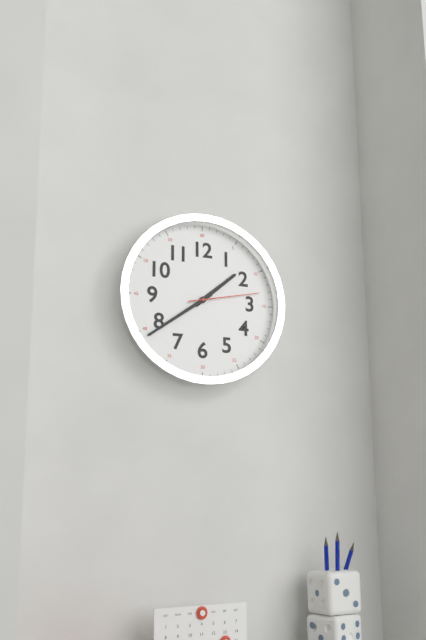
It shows 1,39,13
